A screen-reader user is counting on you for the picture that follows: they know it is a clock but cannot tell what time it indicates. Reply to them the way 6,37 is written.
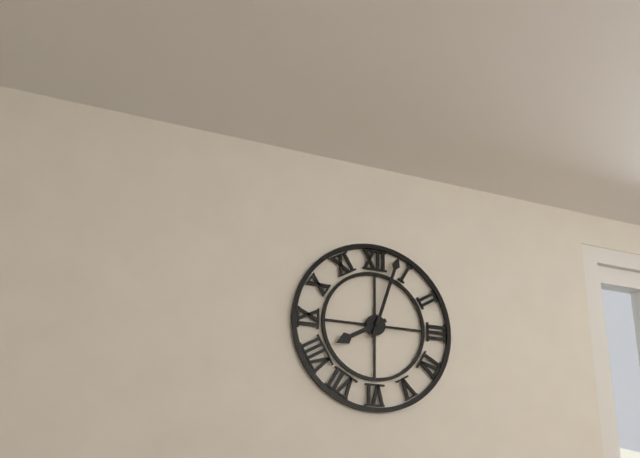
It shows 8,03
